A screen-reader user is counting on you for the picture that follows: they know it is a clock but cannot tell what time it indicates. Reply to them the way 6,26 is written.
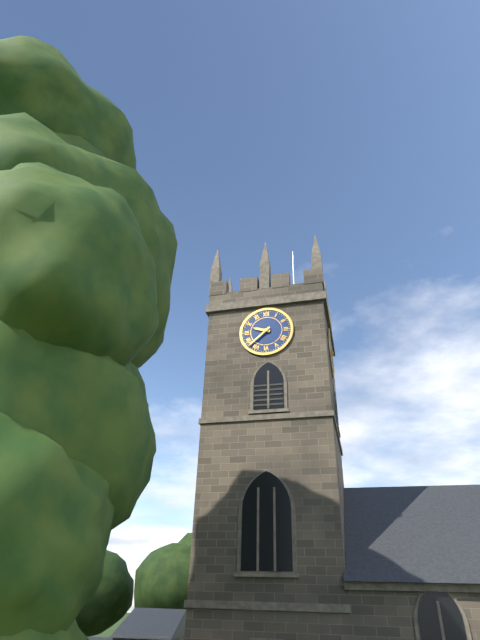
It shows 9,38
